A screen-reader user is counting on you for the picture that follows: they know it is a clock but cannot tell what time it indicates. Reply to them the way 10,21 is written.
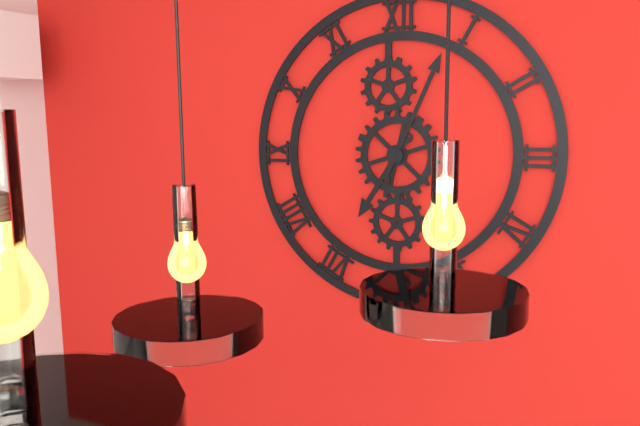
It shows 7,04
